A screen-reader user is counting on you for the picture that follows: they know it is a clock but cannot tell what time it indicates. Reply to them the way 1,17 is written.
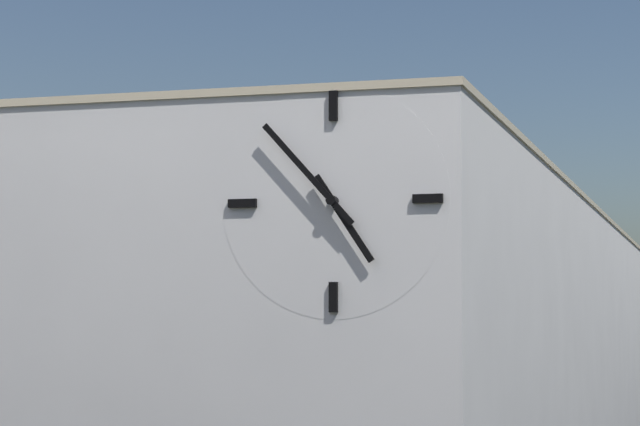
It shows 4,53
